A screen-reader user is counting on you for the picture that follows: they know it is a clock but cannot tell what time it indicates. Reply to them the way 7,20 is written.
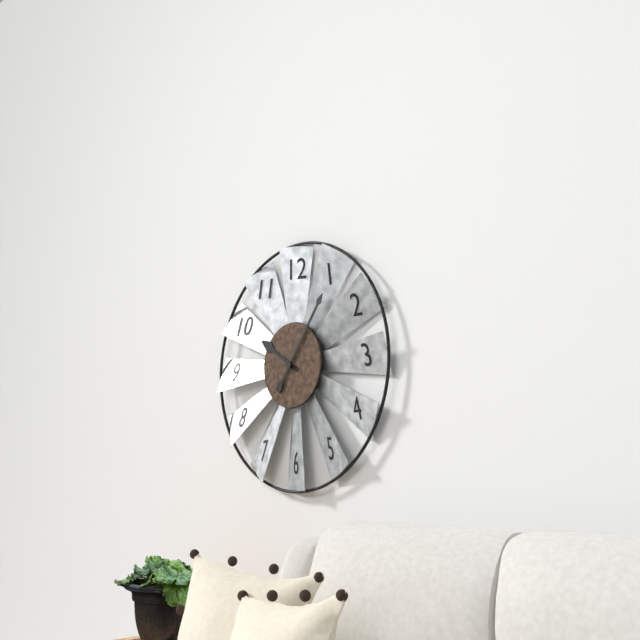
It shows 10,06
